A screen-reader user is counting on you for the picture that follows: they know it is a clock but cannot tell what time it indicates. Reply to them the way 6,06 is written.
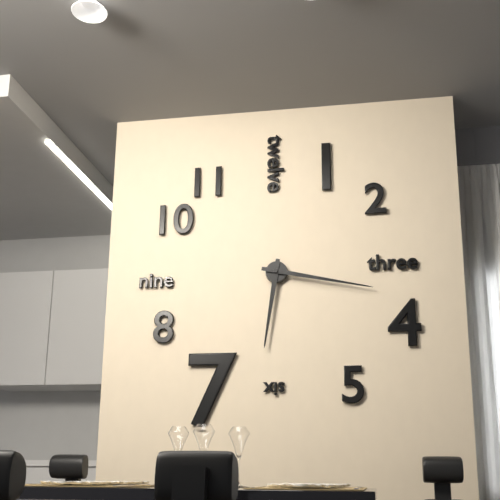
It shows 6,17
